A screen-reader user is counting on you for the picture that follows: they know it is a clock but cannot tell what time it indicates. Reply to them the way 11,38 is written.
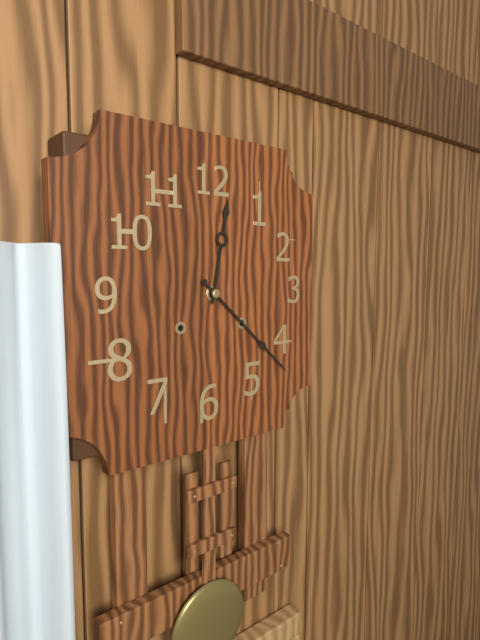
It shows 12,22
